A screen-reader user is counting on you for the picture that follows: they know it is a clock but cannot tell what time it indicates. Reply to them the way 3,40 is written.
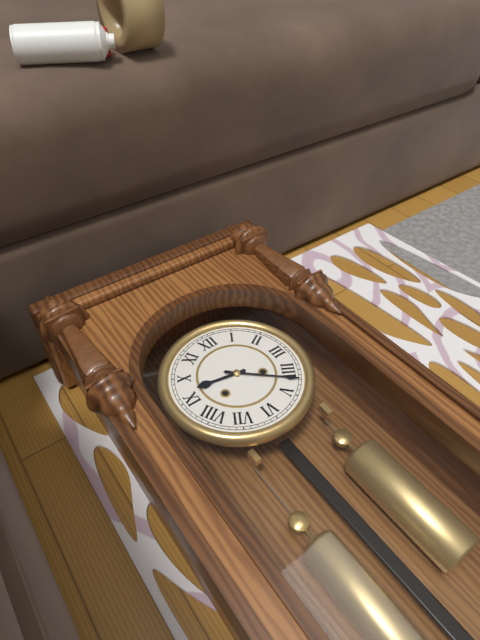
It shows 9,22
